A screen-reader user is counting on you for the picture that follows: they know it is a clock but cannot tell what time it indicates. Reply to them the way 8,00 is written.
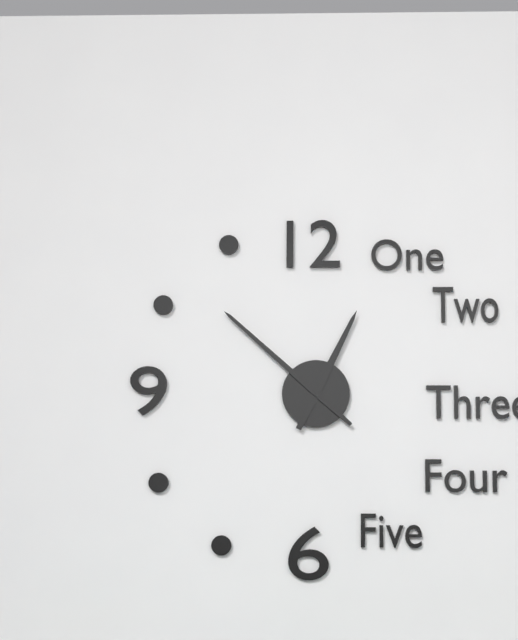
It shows 12,52
